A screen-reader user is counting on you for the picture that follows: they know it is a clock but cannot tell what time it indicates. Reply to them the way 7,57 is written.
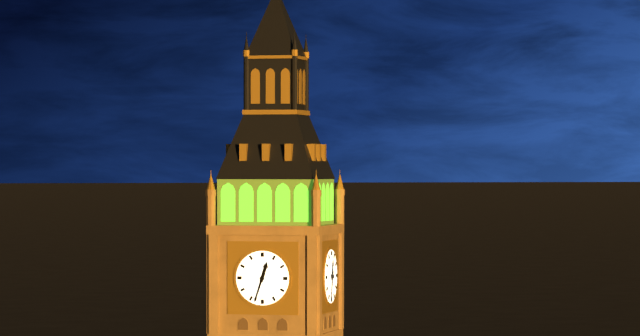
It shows 12,33
